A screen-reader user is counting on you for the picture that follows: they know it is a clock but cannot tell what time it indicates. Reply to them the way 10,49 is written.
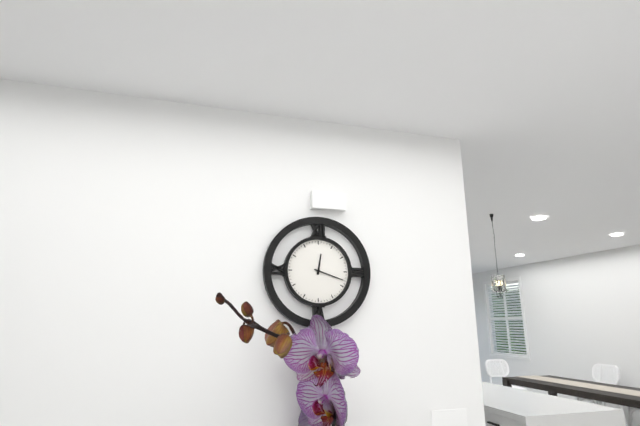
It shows 12,18
